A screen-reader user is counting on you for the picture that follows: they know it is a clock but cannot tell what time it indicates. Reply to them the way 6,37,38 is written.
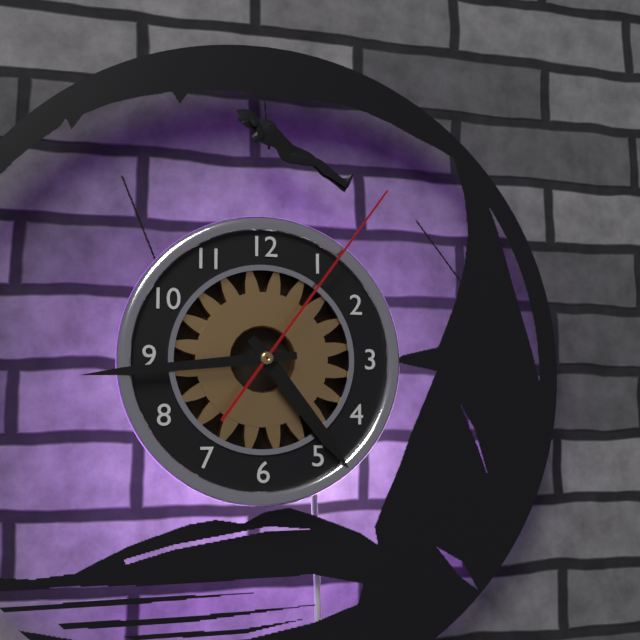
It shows 4,44,06
